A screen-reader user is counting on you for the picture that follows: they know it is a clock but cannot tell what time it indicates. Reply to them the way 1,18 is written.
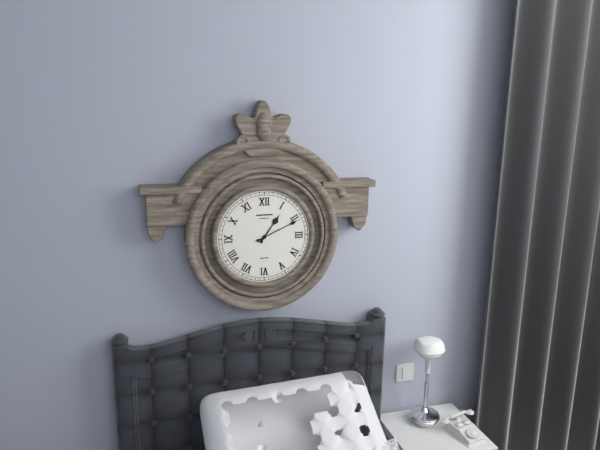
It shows 1,11
